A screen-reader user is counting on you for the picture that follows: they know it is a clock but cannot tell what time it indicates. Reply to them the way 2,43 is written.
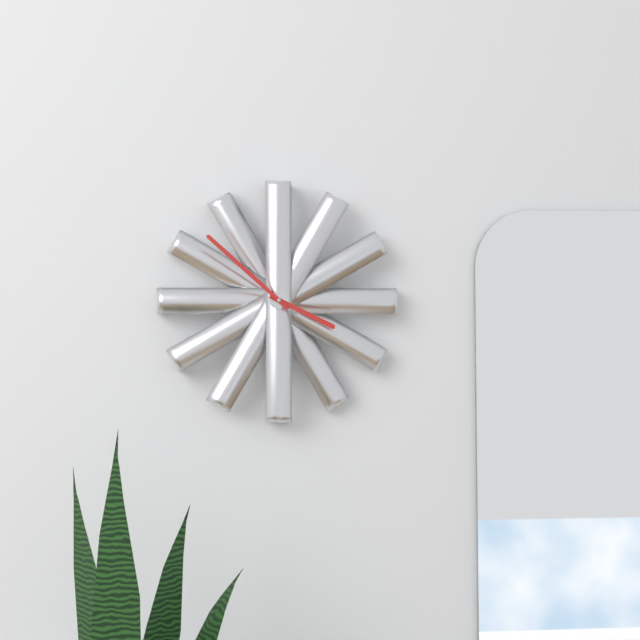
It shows 3,52
